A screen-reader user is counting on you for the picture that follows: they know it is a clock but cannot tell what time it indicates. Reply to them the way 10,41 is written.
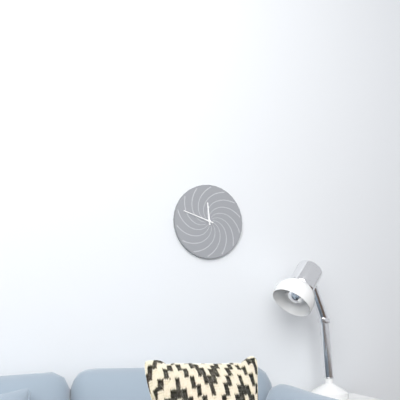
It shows 11,48
